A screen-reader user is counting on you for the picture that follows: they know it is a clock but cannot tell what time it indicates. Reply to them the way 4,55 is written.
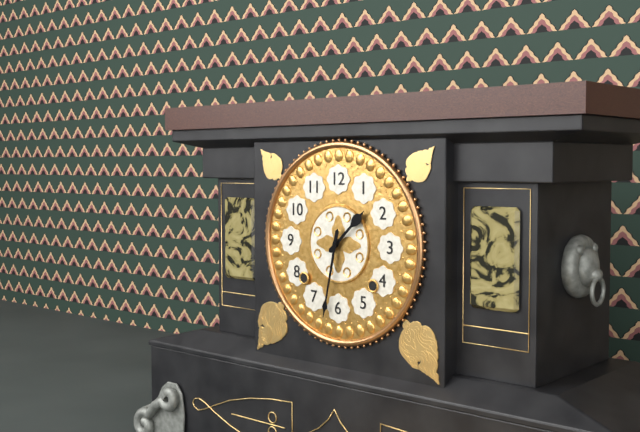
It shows 1,32
